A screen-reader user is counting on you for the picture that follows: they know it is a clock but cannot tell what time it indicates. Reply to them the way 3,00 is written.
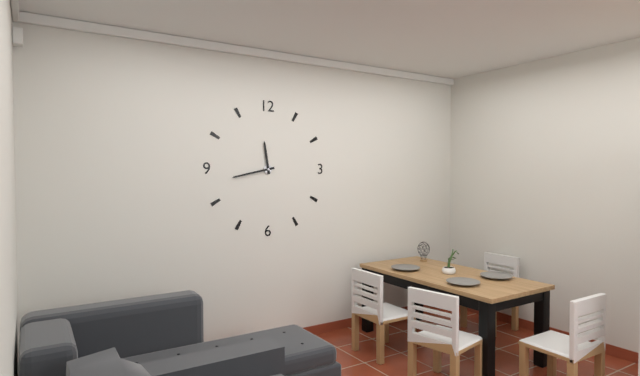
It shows 11,43
